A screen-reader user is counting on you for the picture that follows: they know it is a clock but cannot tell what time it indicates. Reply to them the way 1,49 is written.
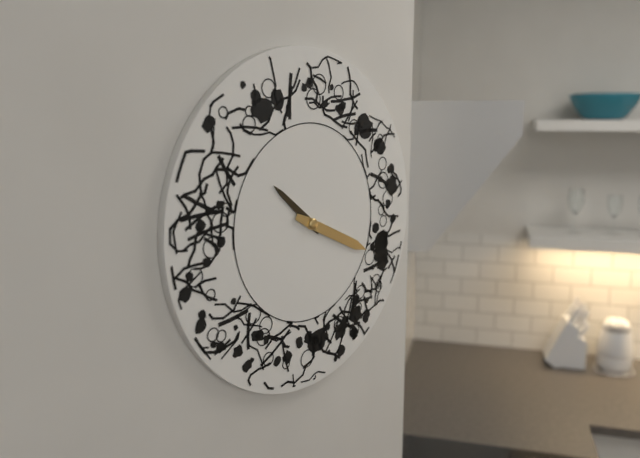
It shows 10,19
